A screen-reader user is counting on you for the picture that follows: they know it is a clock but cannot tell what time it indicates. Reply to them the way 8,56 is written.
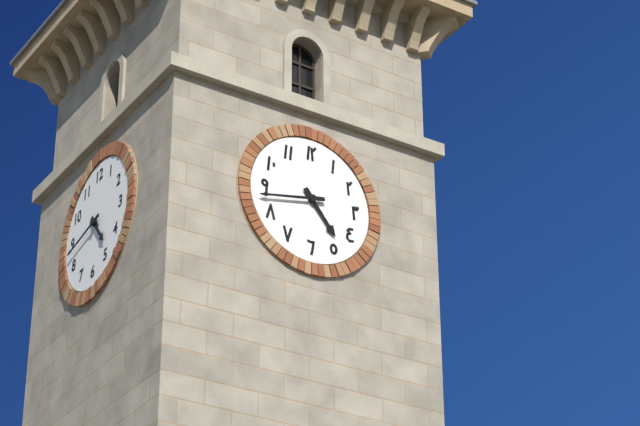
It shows 4,43
